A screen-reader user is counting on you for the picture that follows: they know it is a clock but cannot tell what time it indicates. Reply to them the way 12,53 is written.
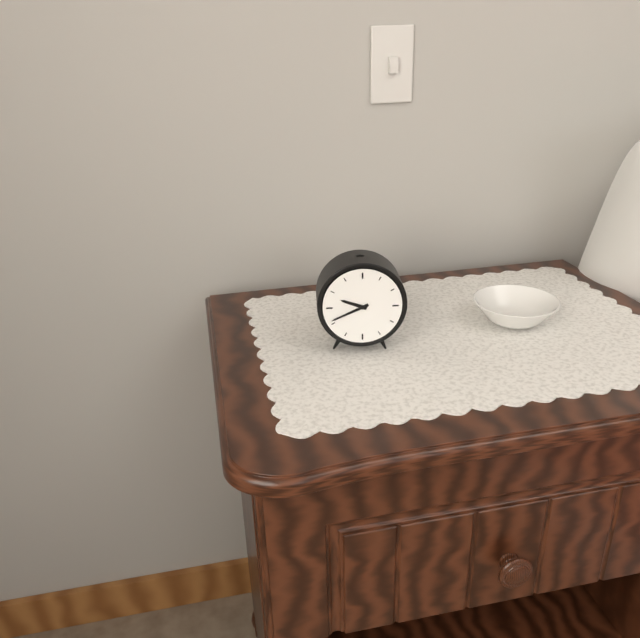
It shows 9,41
